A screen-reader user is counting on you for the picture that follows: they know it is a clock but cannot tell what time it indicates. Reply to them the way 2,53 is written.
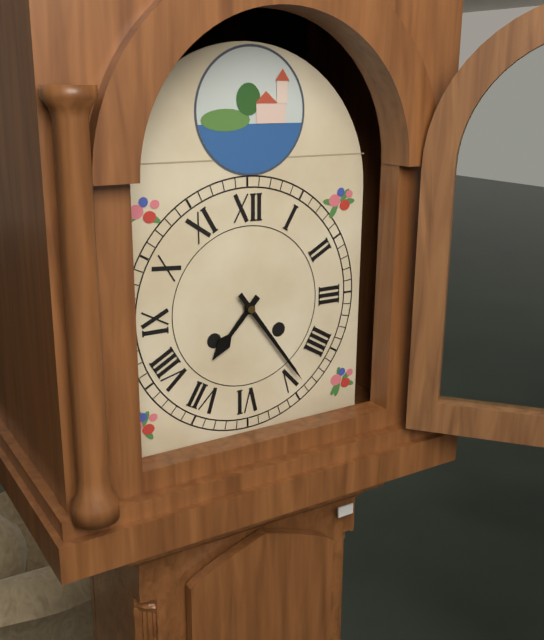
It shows 7,24
